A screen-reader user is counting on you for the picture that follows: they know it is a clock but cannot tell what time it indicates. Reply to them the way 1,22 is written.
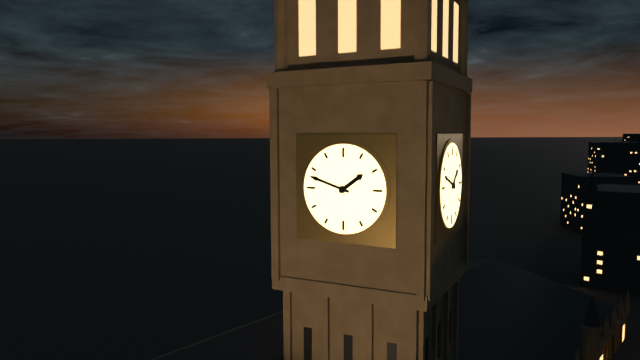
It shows 1,48
